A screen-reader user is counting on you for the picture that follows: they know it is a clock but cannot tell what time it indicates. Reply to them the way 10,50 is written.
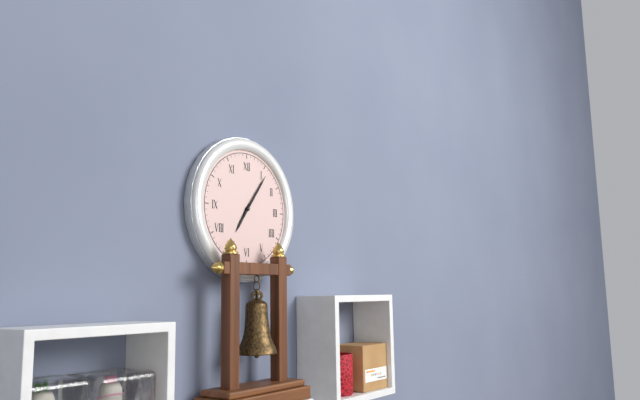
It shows 7,06
